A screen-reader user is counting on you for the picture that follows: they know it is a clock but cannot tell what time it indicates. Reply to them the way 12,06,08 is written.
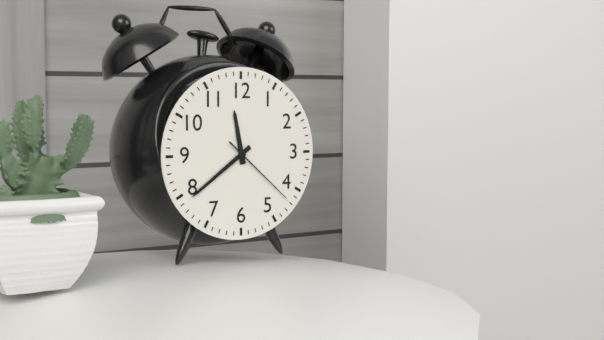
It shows 11,39,22
